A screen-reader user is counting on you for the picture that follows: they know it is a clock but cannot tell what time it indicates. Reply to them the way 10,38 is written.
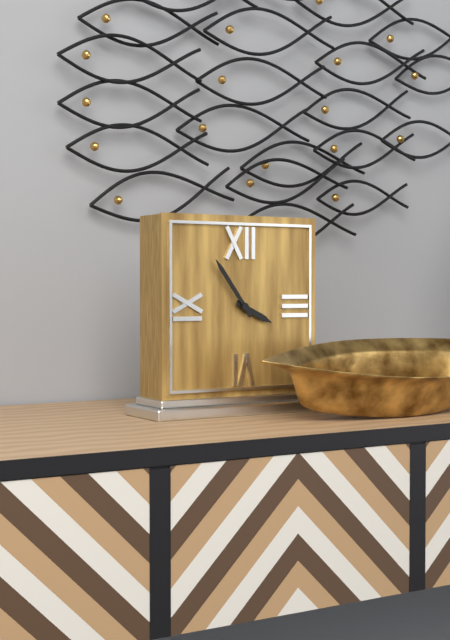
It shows 3,54
